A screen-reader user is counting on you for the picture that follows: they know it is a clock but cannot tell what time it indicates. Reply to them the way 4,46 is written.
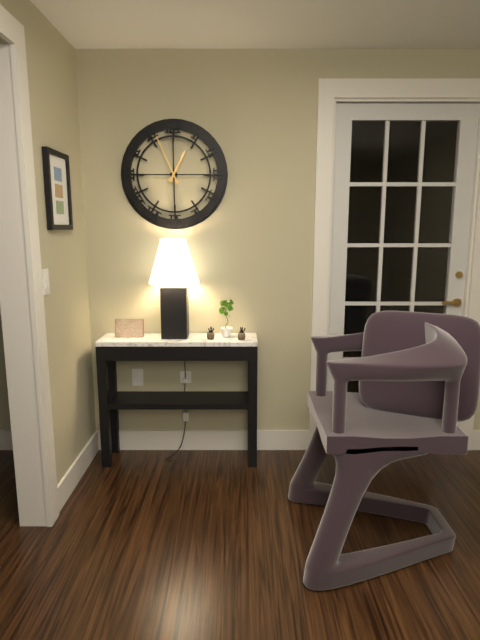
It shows 12,56
